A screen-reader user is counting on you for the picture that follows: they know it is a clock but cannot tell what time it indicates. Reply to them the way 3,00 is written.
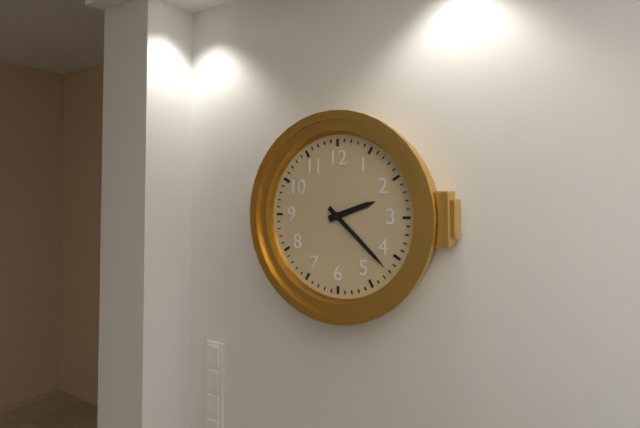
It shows 2,22
